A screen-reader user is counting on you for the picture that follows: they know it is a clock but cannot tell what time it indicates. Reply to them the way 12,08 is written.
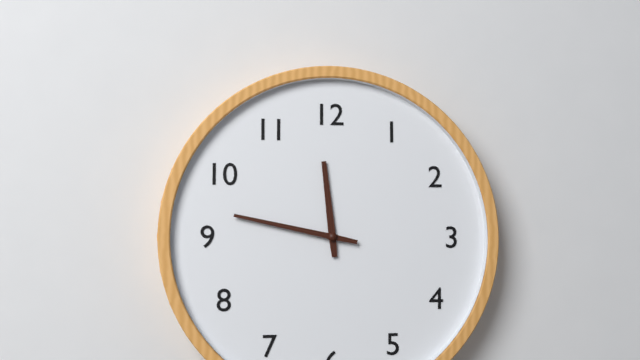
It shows 11,47
